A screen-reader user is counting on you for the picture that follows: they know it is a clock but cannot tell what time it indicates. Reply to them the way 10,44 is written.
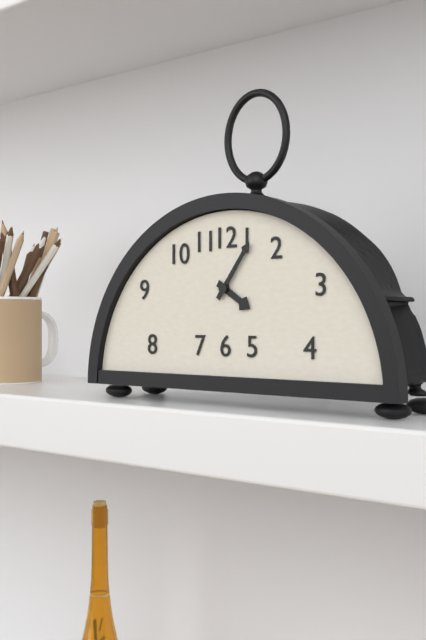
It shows 4,06
